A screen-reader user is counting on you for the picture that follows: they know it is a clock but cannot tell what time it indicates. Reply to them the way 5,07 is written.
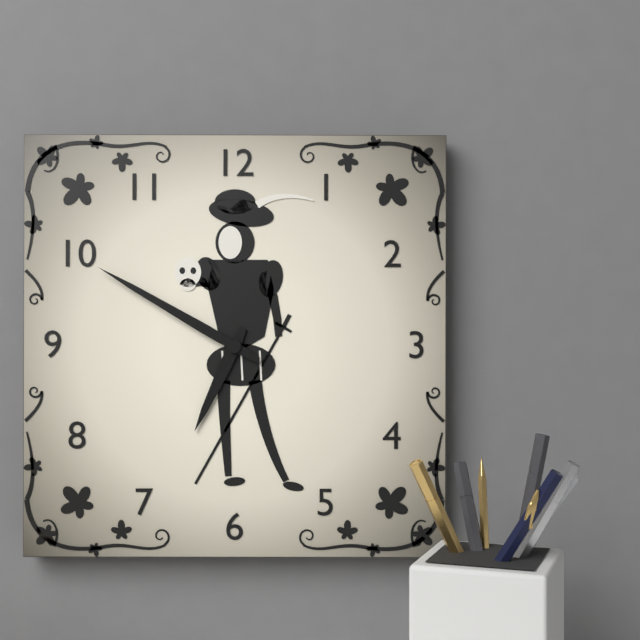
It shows 6,50
